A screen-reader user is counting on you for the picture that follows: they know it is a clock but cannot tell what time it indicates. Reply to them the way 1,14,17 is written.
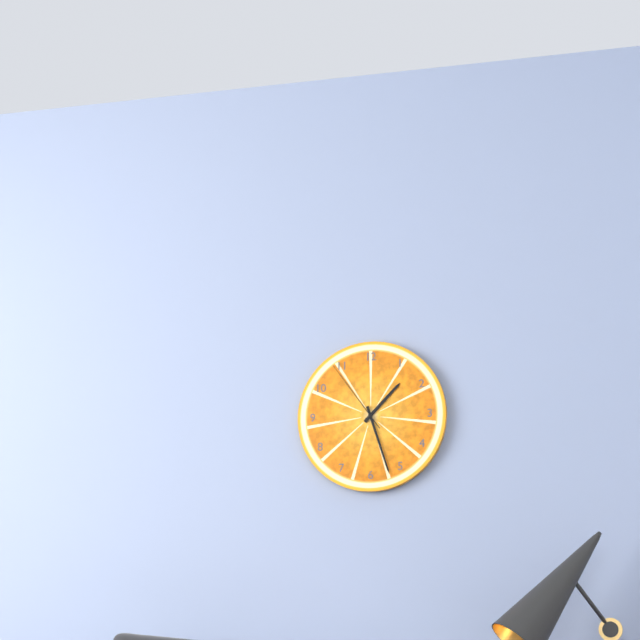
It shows 1,27,54
